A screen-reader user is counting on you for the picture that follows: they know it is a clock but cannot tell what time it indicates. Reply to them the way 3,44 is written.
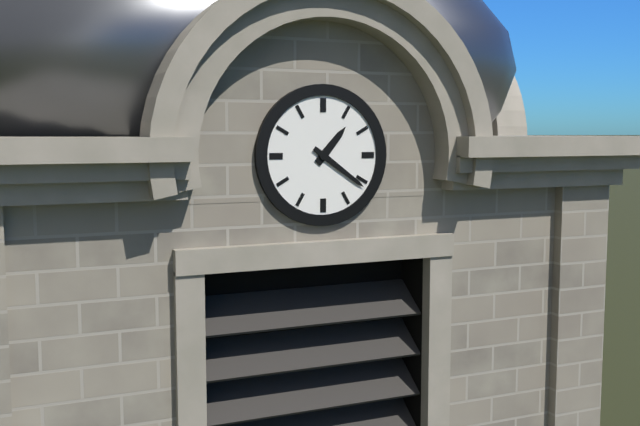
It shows 1,21
